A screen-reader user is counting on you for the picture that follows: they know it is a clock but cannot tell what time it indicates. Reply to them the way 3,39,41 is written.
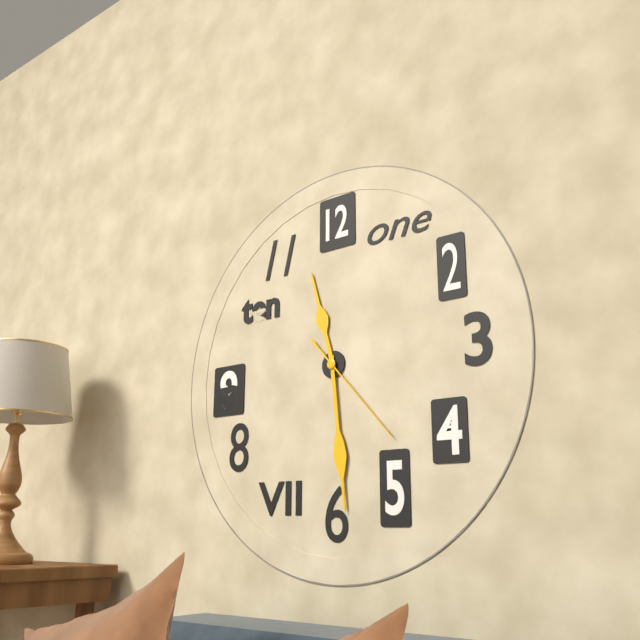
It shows 11,29,23
